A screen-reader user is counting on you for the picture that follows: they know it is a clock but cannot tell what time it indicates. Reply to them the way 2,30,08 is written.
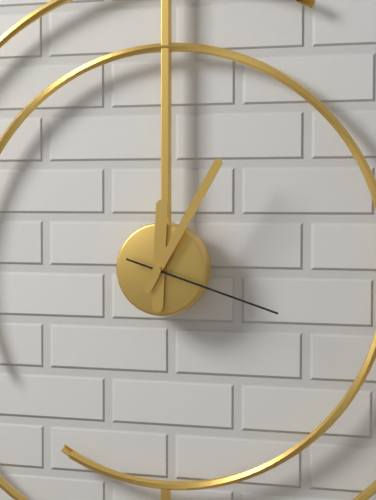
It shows 12,05,18
